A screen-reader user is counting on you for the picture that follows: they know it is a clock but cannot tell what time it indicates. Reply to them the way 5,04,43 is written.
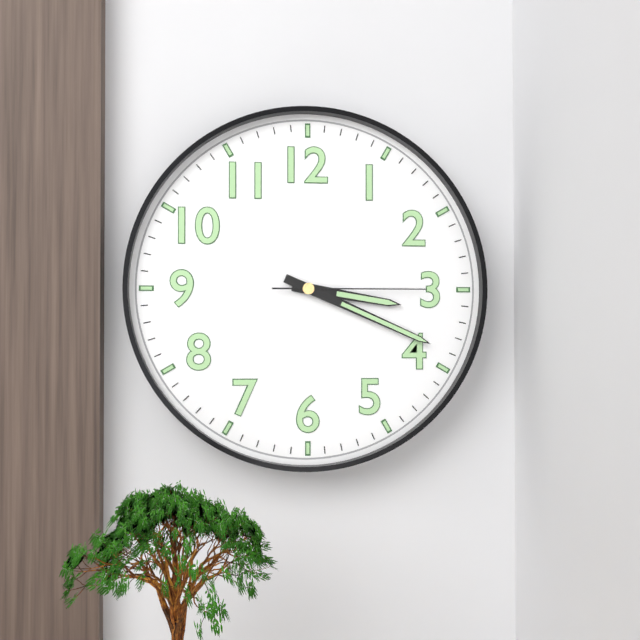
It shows 3,19,15
